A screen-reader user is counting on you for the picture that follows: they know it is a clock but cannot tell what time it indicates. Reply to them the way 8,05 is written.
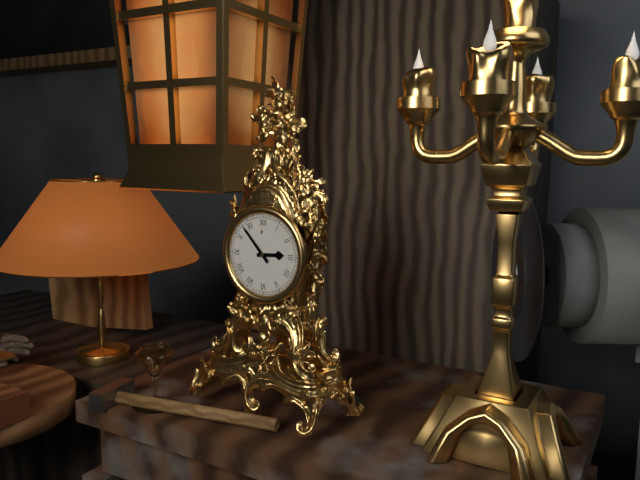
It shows 2,53
